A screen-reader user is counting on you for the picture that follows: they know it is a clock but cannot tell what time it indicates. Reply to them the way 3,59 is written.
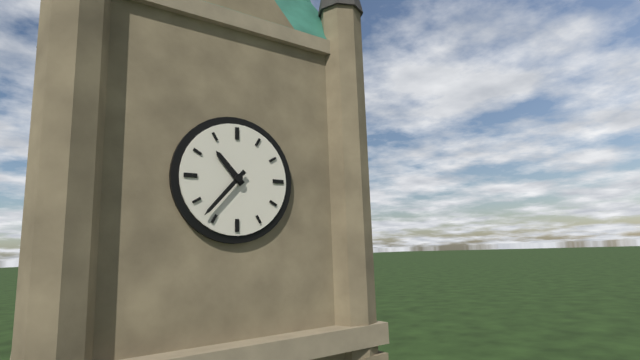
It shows 10,37
